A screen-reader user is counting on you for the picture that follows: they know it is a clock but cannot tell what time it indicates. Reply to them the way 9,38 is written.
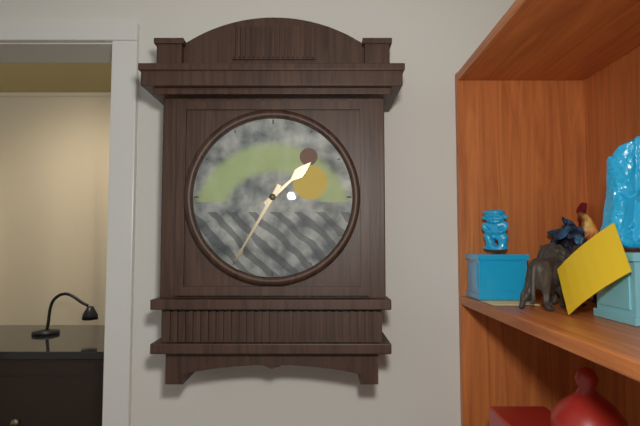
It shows 1,35
